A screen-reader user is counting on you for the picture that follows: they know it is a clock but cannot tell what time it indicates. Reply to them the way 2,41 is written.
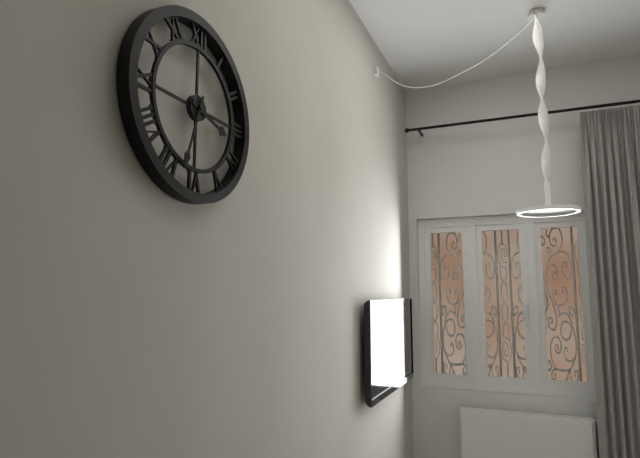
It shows 3,33
